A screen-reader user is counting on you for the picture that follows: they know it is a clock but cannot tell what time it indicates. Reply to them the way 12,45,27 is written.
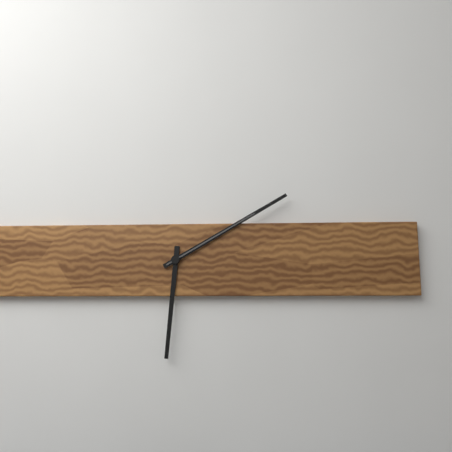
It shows 6,10,10
